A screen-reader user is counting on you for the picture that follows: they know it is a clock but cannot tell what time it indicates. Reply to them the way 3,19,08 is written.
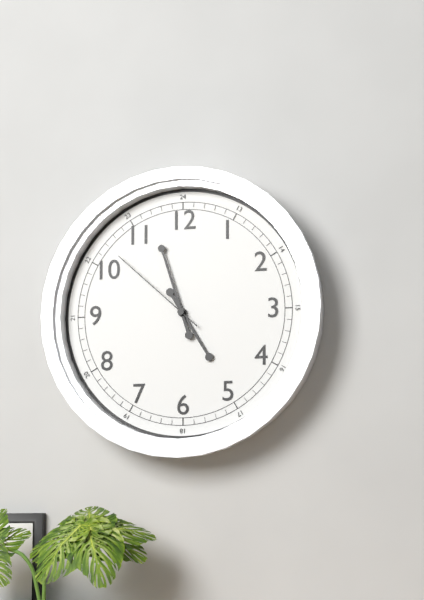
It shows 4,57,52
